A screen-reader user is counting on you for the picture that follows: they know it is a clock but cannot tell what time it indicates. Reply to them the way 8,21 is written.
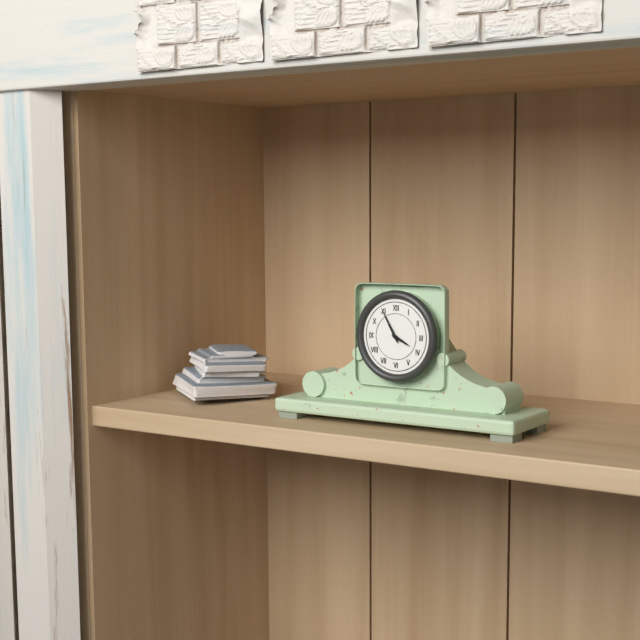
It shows 3,55
